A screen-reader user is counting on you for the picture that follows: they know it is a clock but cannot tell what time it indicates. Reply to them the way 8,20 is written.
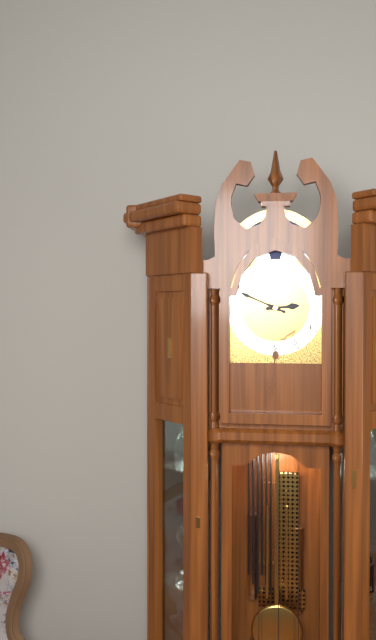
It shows 2,49
